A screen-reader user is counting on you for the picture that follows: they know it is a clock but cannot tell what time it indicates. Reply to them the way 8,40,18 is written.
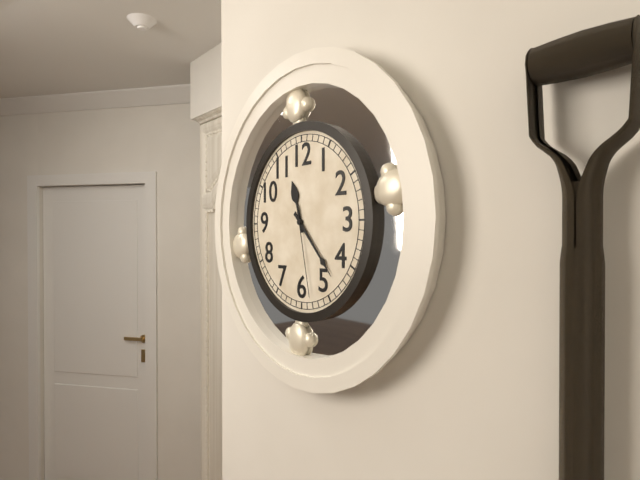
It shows 11,23,28
